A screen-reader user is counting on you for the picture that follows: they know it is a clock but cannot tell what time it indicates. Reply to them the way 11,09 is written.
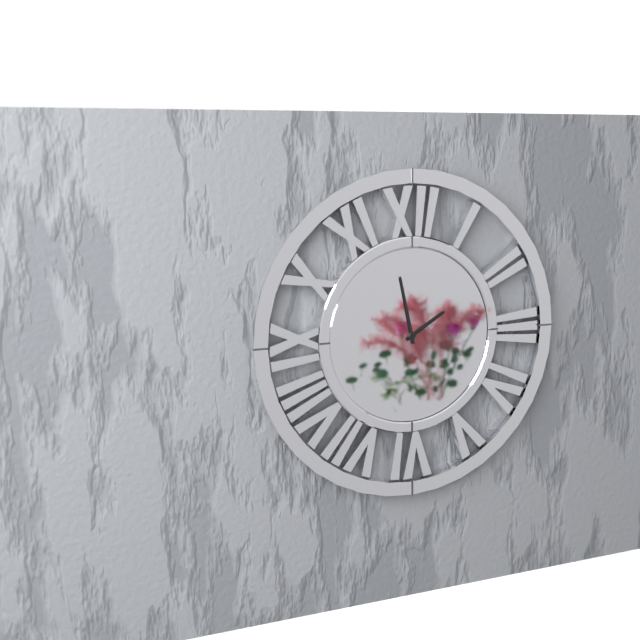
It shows 1,58
